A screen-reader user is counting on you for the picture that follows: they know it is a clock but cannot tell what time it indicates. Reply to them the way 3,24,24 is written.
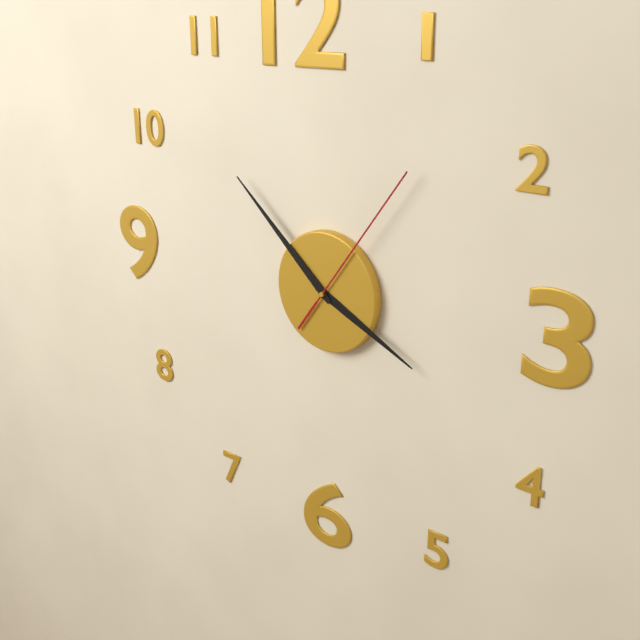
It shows 3,52,06
